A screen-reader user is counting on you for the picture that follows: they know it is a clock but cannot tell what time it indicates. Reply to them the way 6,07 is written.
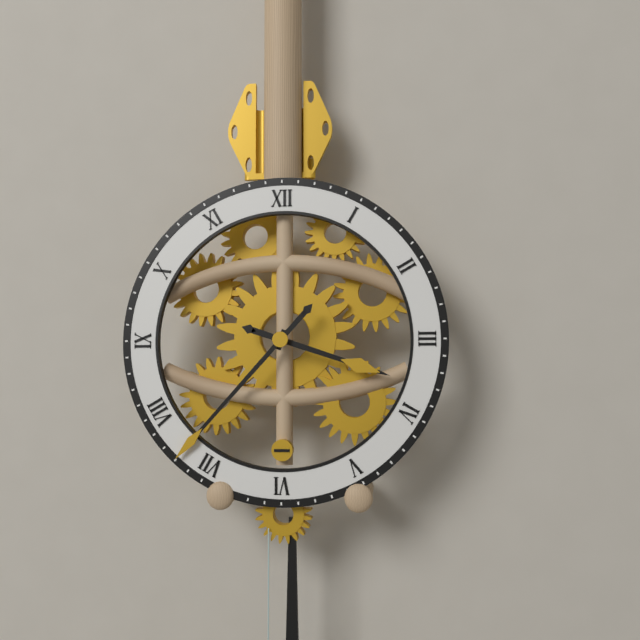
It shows 3,37
